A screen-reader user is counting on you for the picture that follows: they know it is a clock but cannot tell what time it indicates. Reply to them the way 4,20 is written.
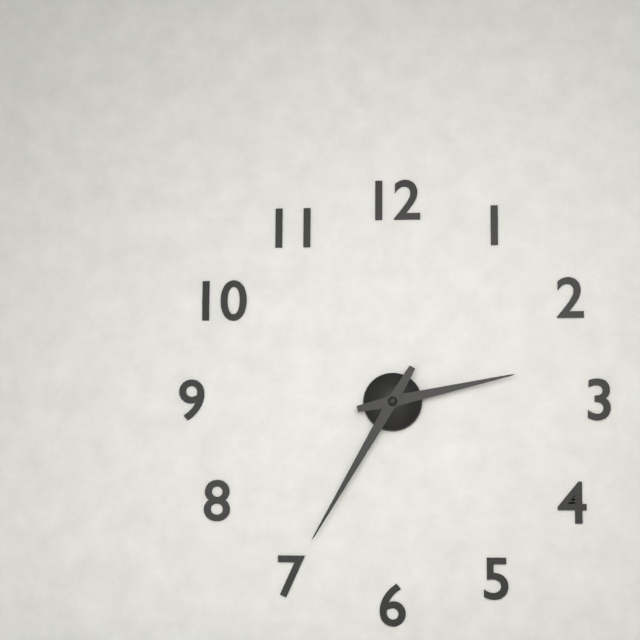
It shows 2,35
